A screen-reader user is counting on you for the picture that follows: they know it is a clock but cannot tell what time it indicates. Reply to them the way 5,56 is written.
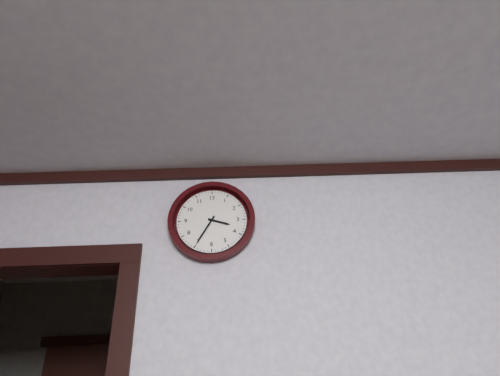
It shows 3,35
